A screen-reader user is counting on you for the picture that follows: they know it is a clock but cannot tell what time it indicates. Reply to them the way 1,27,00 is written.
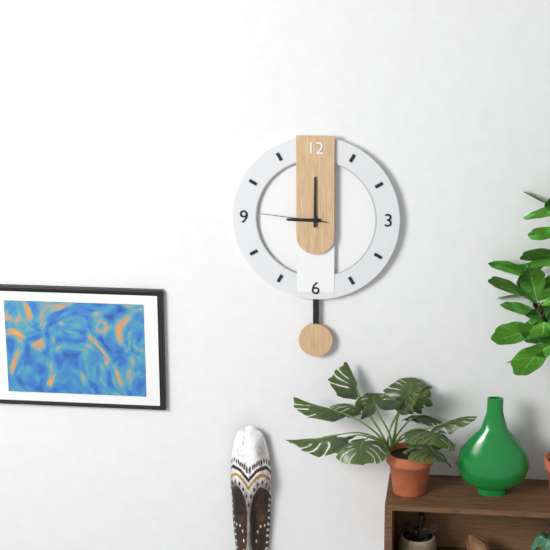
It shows 9,00,46
